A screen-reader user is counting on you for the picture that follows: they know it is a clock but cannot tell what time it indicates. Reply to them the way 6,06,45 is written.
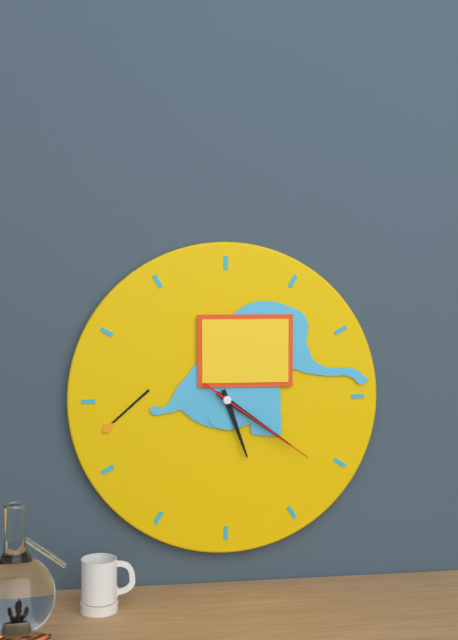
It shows 5,21,21
